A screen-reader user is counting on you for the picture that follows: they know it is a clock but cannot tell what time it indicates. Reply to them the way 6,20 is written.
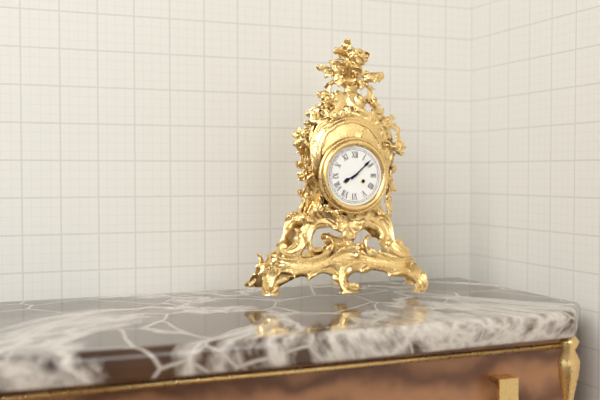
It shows 8,08
